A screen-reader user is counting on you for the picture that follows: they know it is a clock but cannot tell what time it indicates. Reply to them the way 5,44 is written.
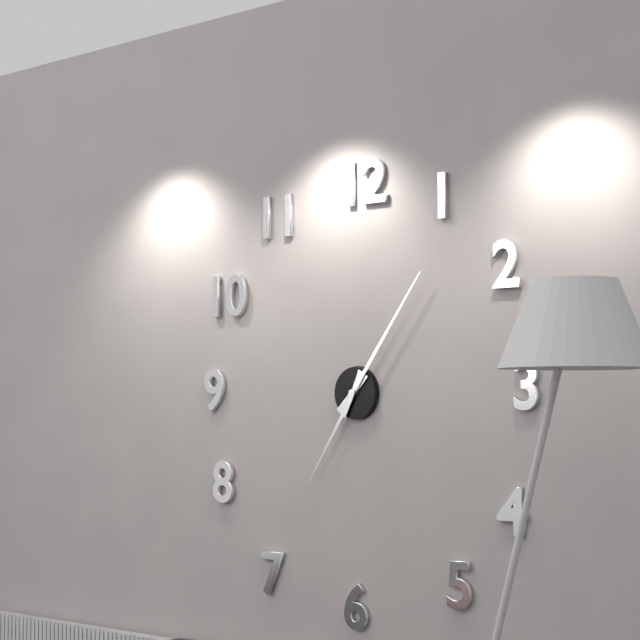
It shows 7,06
